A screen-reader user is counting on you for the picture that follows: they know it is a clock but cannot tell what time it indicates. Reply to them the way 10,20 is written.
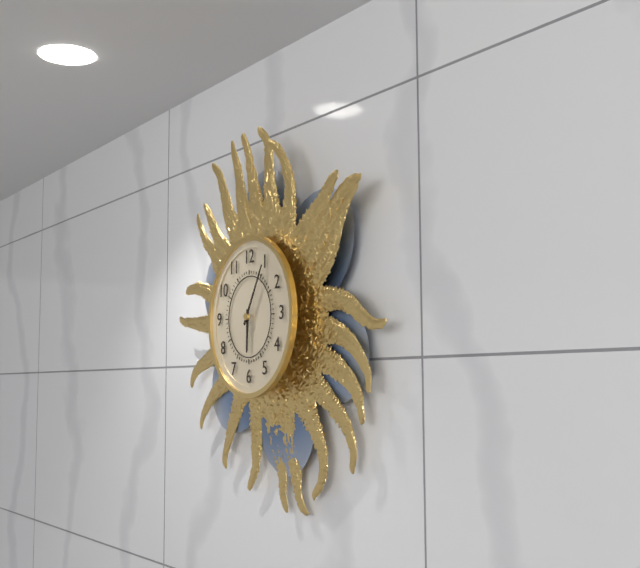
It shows 6,05
